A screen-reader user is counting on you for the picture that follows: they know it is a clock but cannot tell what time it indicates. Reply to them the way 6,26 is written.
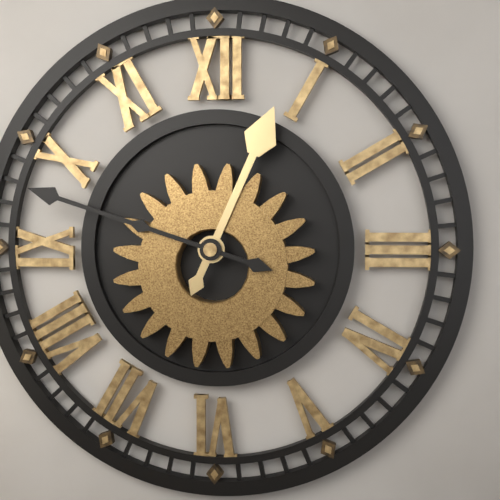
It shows 12,48
